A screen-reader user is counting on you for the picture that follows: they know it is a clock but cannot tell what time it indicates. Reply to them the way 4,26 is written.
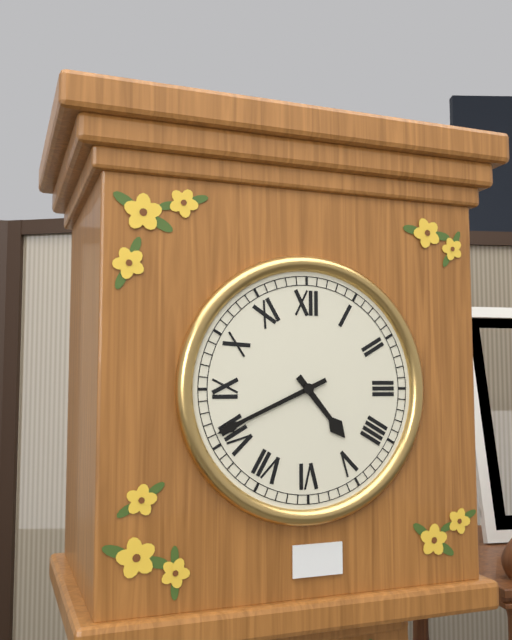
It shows 4,41
